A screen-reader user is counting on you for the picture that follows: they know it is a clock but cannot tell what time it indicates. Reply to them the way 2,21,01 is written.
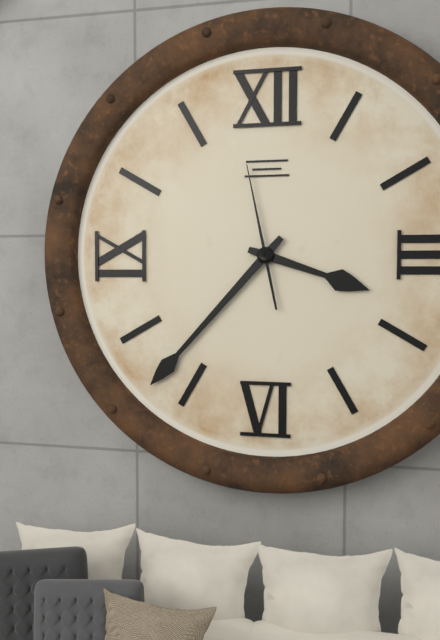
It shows 3,37,58
